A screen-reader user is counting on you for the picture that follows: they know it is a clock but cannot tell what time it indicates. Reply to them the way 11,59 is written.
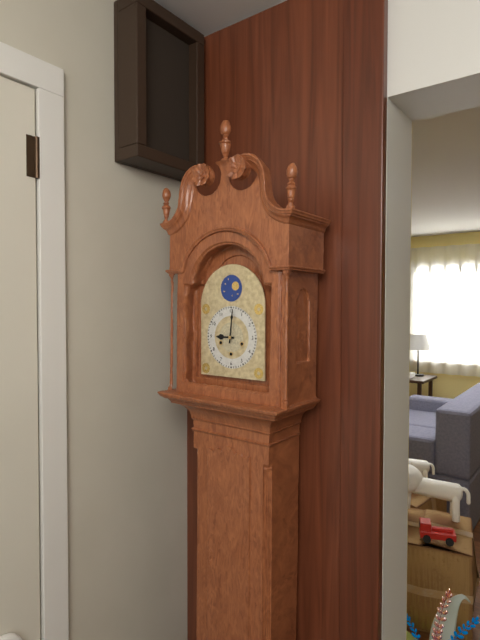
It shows 9,01
